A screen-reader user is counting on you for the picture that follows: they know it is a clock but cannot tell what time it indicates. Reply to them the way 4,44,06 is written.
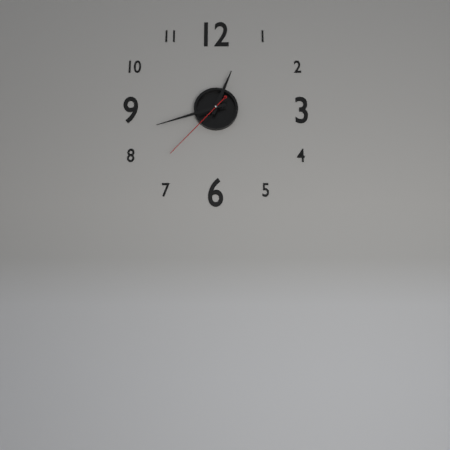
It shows 12,42,37
